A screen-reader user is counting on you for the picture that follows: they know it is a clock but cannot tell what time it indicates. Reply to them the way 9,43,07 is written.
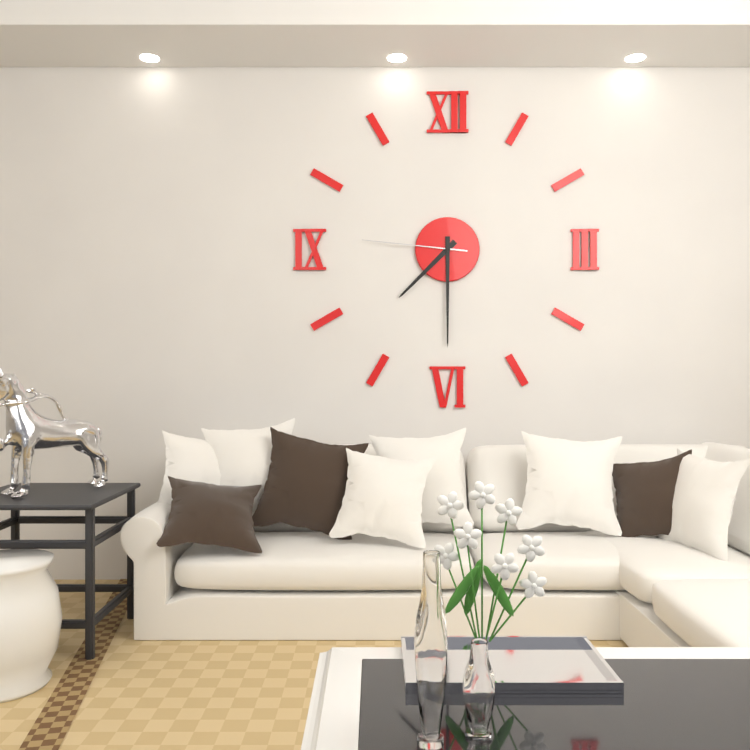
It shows 7,30,46
